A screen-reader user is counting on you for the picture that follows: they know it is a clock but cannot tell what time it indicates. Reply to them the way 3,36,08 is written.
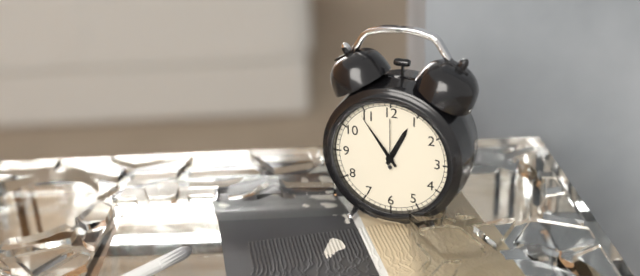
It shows 12,54,00
